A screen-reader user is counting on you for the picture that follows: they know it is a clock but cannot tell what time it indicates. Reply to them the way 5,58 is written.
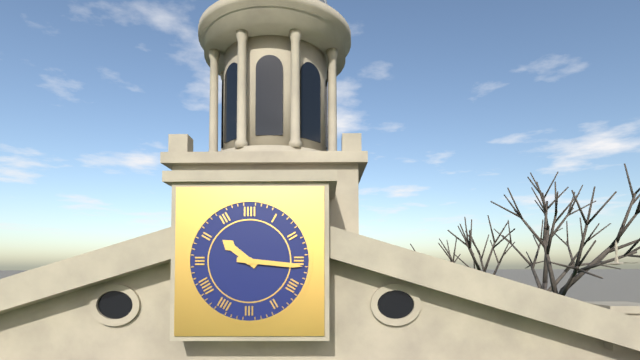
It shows 10,16
